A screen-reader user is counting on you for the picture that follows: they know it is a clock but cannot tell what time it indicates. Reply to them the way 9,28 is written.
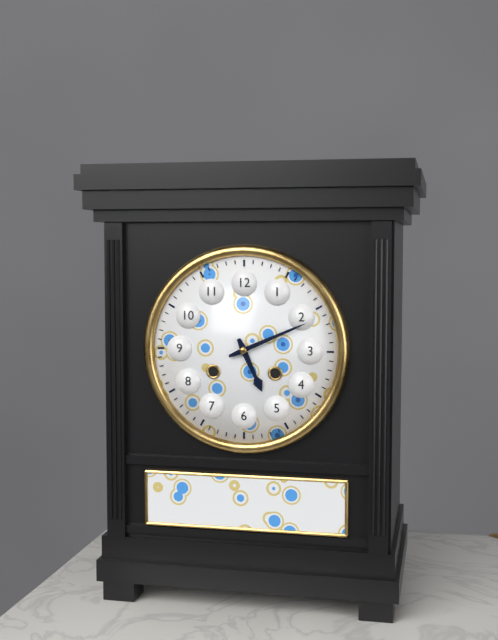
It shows 5,11
